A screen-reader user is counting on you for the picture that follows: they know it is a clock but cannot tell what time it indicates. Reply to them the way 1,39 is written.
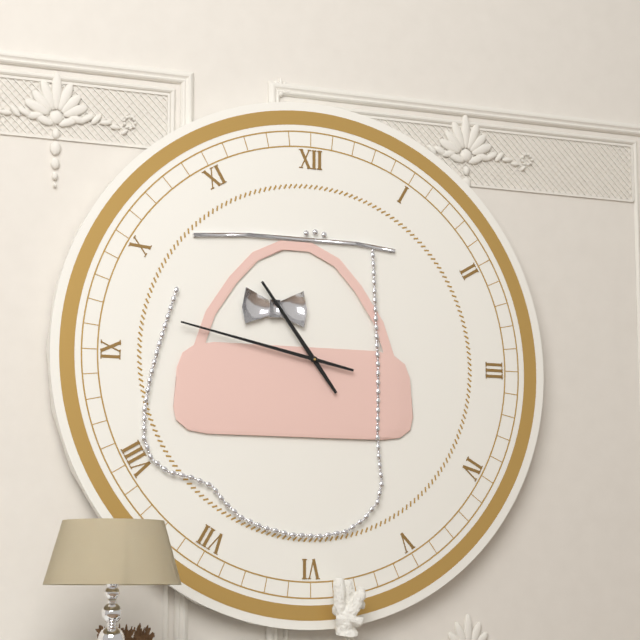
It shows 10,47
